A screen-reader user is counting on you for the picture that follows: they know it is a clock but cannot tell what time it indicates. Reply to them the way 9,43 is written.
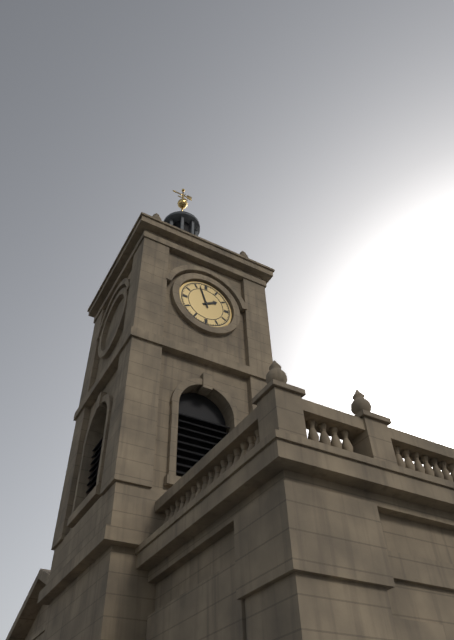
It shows 1,57
